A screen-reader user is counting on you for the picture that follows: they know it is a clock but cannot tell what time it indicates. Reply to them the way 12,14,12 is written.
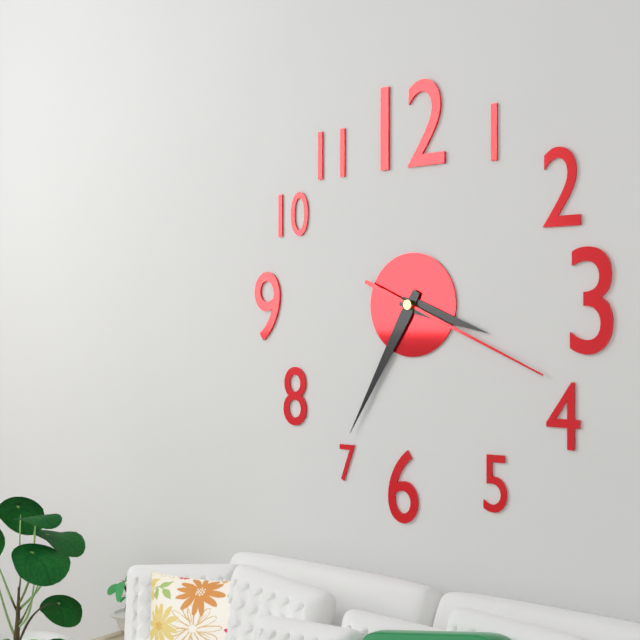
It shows 3,35,19
